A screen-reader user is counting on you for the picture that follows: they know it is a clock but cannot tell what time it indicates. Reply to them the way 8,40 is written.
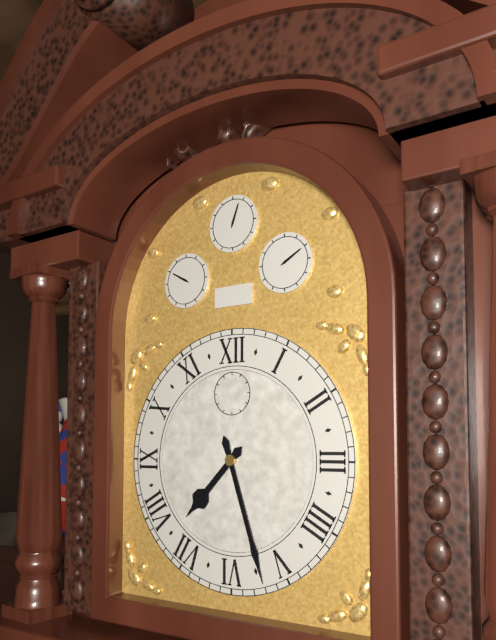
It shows 7,27
